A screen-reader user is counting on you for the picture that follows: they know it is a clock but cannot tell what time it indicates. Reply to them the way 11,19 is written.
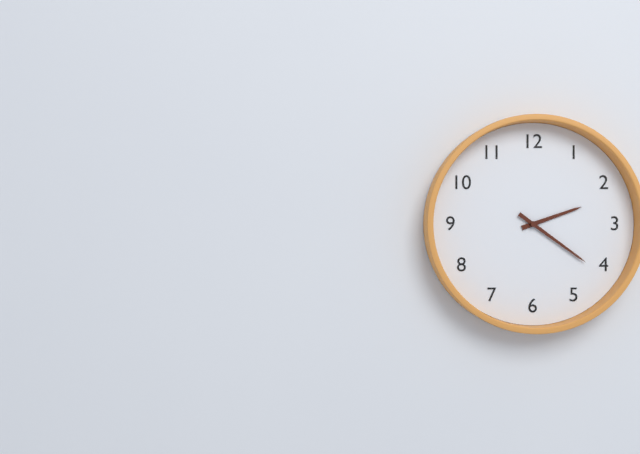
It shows 2,21
